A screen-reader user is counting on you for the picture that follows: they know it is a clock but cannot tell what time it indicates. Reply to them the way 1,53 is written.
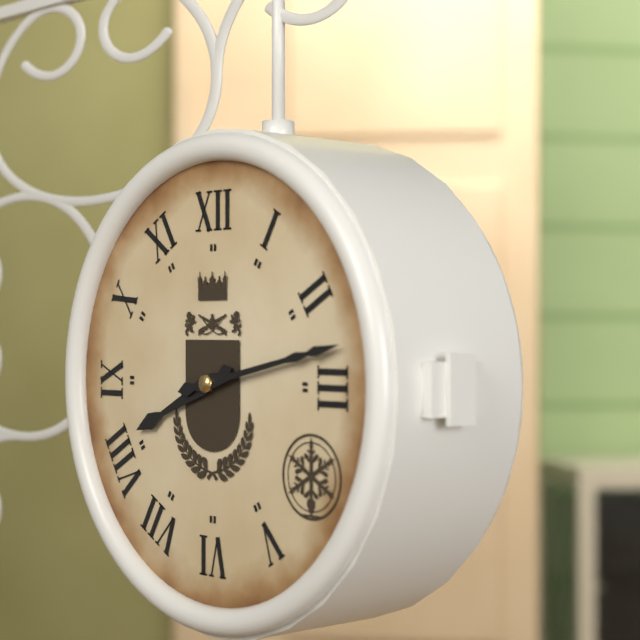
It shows 8,13
